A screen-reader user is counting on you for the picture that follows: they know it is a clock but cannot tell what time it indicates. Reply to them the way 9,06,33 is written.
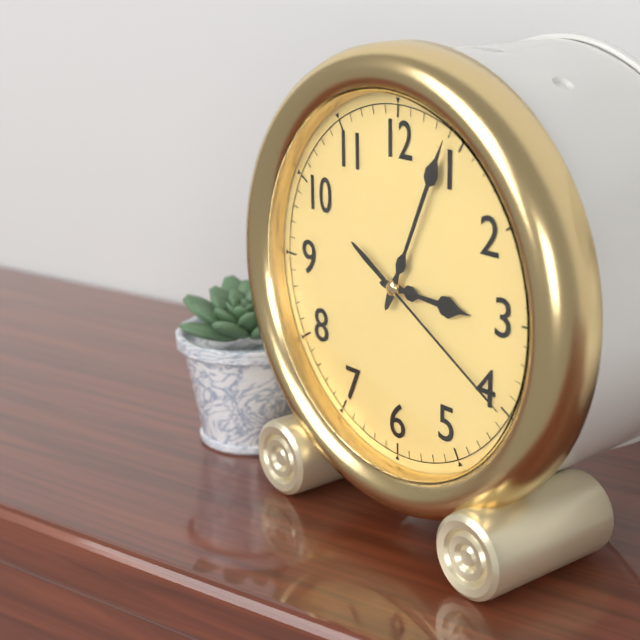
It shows 3,04,20
